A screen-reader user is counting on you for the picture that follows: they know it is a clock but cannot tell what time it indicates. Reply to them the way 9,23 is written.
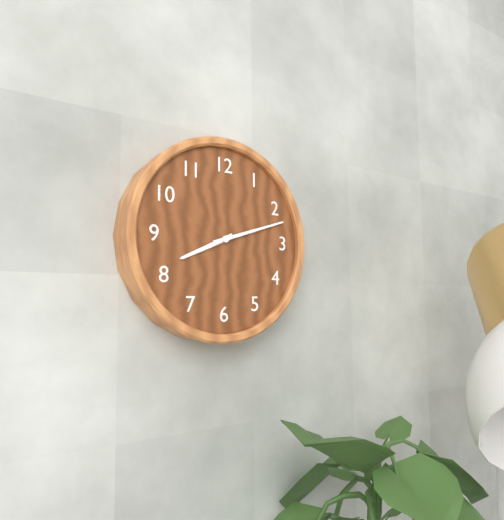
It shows 8,12
